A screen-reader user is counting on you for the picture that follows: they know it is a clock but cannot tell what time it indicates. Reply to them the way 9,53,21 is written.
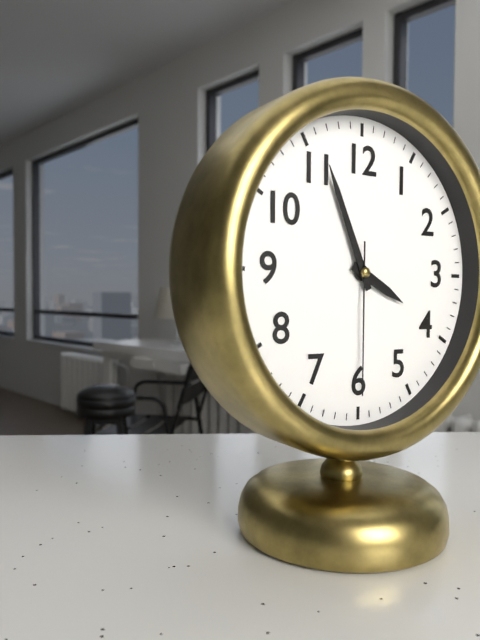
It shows 3,56,30
